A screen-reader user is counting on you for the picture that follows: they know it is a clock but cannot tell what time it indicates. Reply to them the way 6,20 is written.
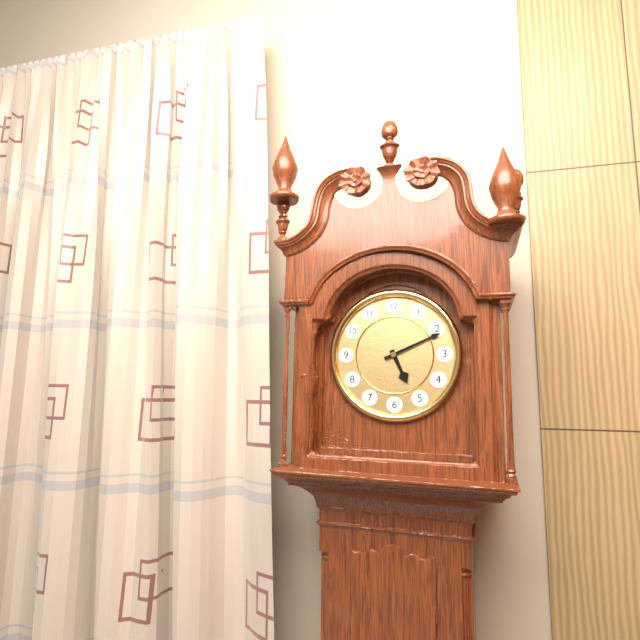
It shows 5,11
